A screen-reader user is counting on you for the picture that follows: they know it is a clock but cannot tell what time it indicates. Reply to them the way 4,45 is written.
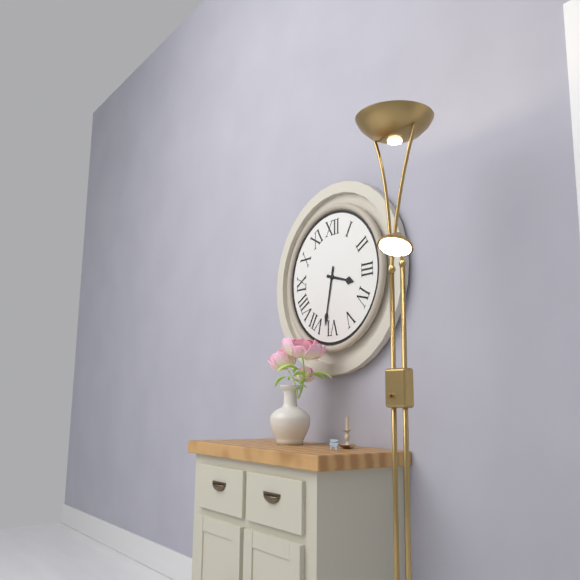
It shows 3,32
